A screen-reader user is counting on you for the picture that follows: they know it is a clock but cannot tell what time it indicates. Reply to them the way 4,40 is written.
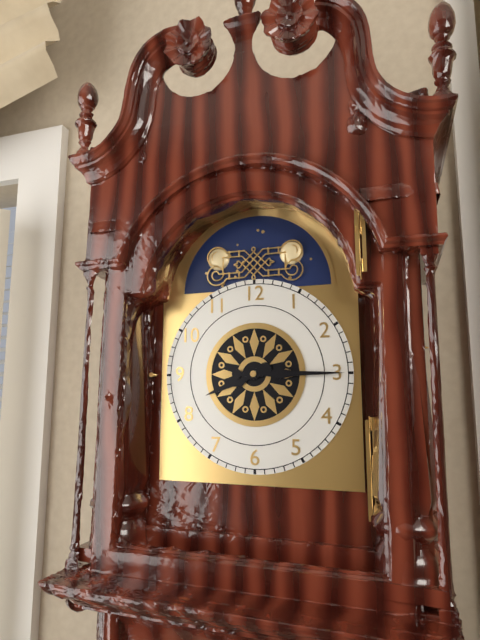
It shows 8,15
